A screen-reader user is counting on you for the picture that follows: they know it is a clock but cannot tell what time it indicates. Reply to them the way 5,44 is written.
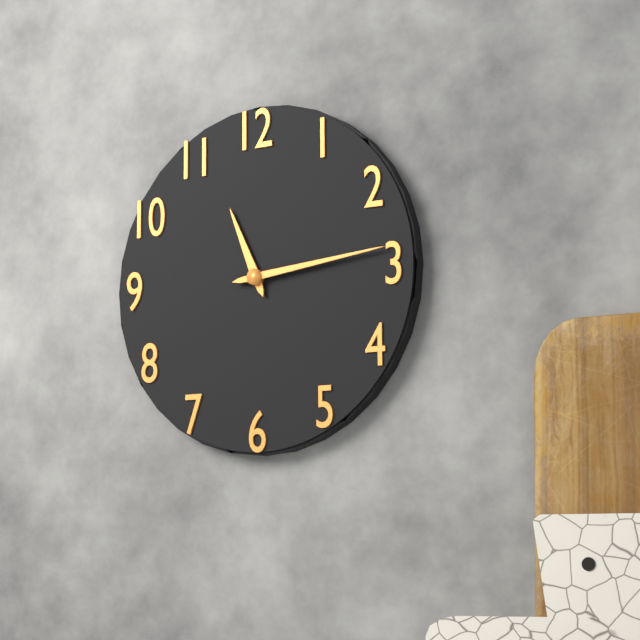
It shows 11,14
